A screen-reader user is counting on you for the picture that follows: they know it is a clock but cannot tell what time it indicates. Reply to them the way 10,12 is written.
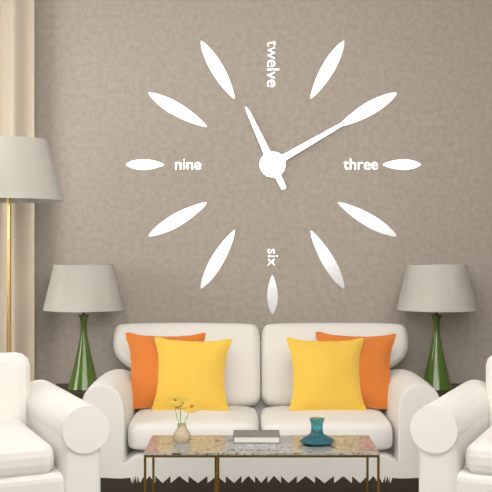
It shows 11,10
